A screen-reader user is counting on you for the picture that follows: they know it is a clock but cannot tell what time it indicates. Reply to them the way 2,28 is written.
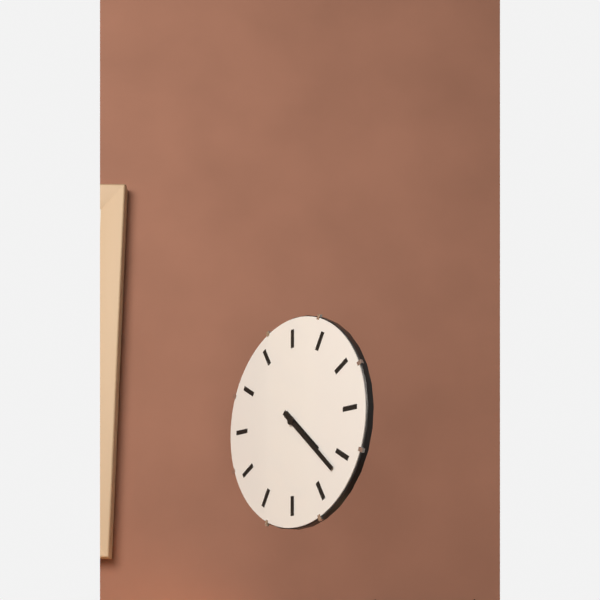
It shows 4,22
